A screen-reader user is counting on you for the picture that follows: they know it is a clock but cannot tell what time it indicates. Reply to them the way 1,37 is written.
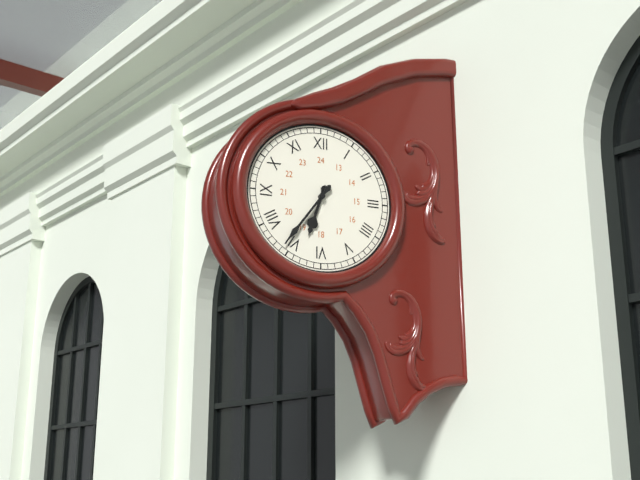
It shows 6,36
